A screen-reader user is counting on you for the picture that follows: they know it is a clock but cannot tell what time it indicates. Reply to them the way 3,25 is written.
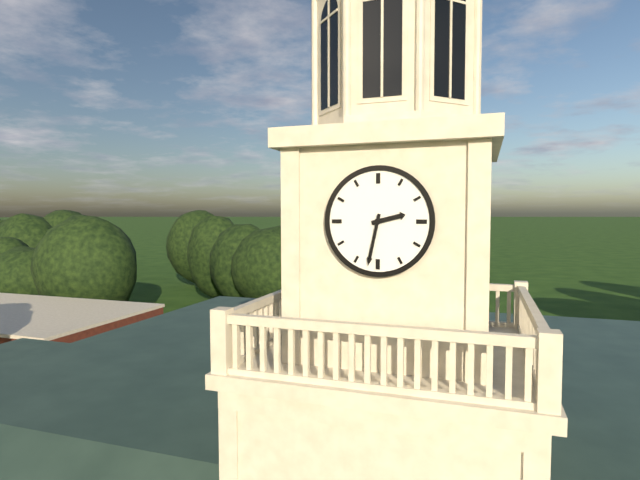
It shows 2,32
